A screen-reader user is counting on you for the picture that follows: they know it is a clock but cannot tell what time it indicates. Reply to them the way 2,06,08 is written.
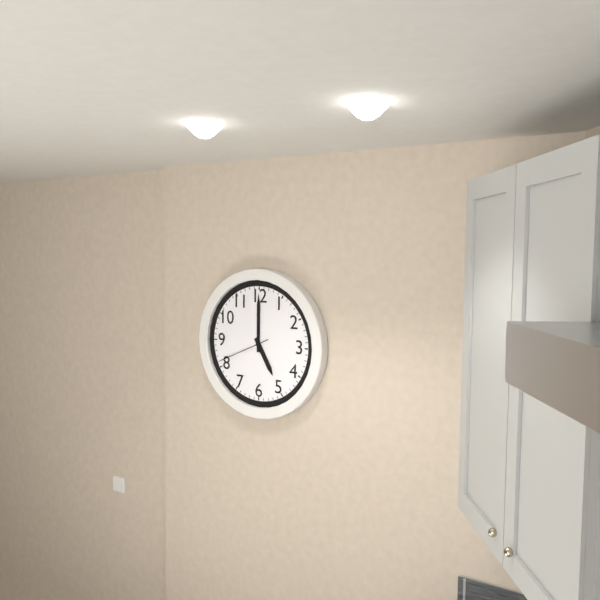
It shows 5,00,41
